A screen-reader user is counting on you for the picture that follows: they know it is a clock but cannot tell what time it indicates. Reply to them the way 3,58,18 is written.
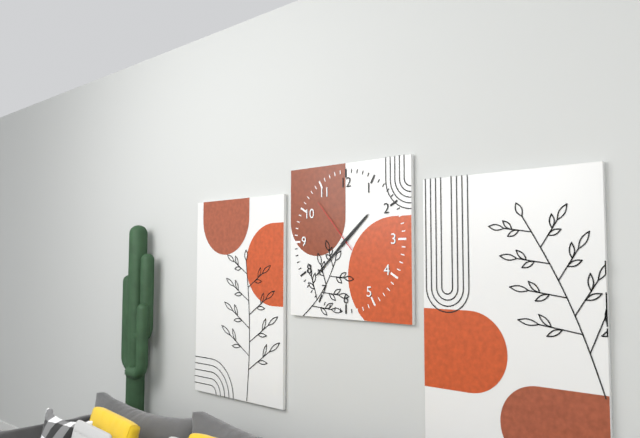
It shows 1,38,53
